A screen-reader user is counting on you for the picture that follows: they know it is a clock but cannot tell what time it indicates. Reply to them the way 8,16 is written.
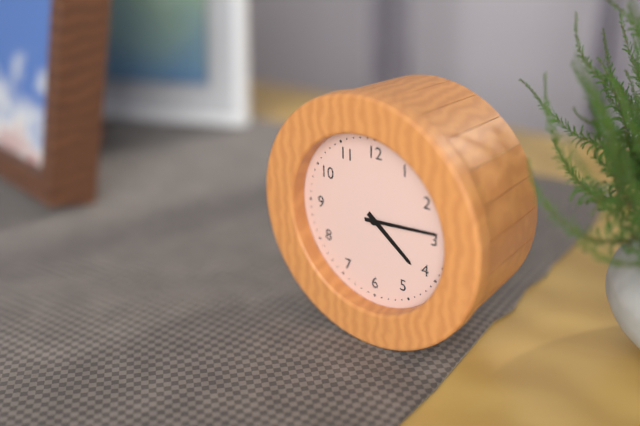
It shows 4,14
